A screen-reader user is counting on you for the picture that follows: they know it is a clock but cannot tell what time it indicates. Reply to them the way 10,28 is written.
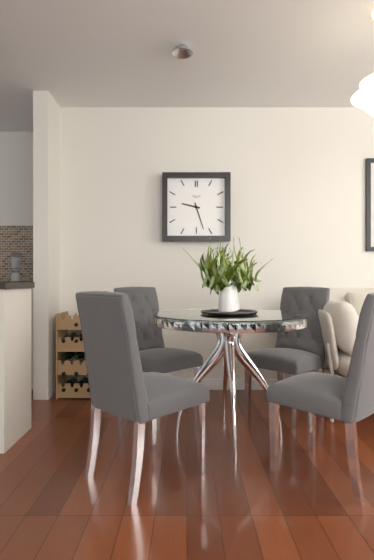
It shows 9,27
